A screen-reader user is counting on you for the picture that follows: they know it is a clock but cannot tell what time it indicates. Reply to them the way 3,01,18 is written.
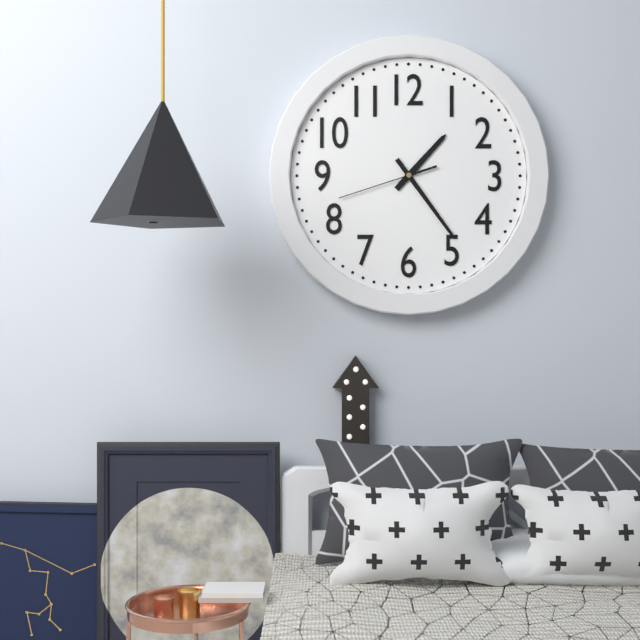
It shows 1,24,42
